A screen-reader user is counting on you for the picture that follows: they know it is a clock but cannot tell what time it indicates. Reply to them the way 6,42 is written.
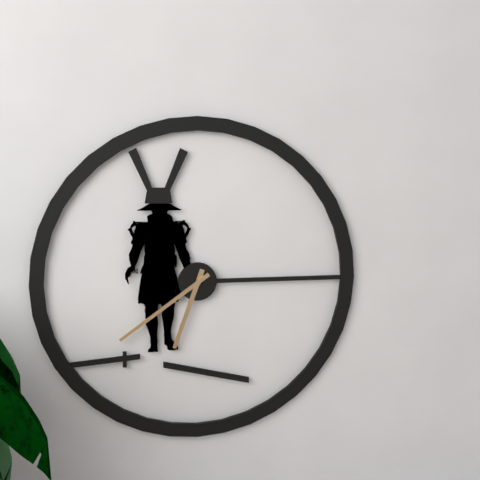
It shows 6,39
